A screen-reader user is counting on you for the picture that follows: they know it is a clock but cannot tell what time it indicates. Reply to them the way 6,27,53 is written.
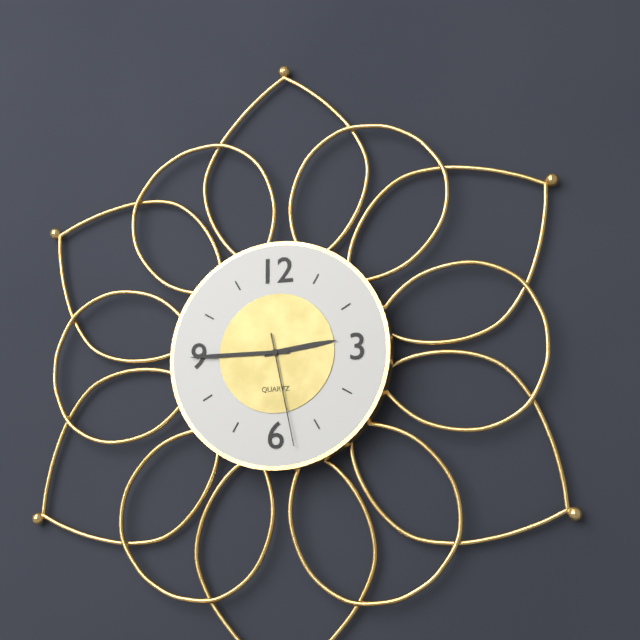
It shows 2,45,28
